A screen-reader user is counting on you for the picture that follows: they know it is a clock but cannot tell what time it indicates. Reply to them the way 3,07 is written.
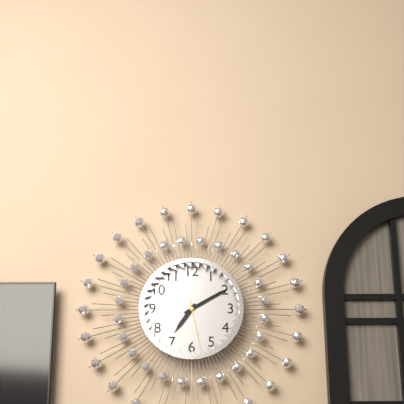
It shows 7,10
